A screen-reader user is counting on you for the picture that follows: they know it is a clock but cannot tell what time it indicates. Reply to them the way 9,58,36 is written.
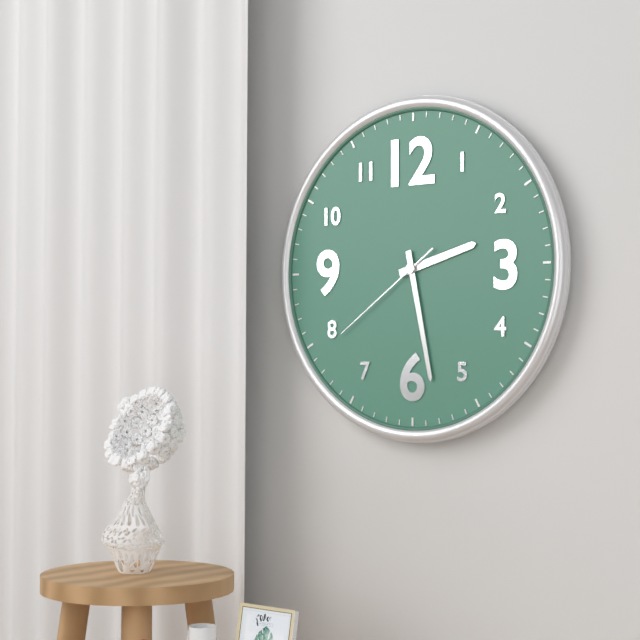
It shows 2,28,39
